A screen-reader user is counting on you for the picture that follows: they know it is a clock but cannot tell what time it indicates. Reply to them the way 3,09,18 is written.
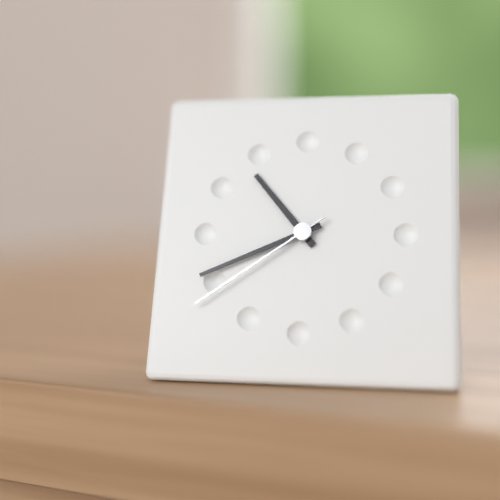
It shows 10,41,39
